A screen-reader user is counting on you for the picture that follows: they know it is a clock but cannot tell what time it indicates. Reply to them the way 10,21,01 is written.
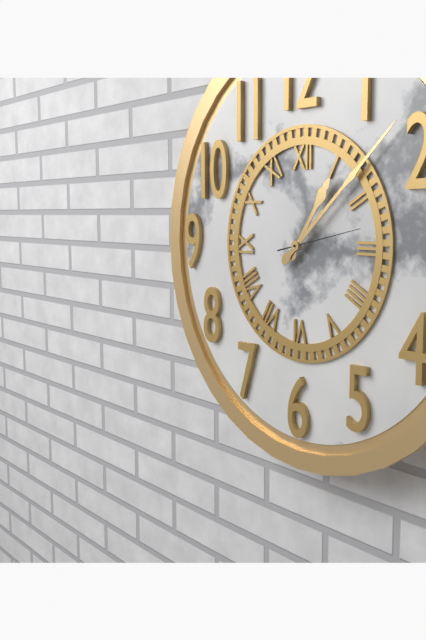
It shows 1,08,13
